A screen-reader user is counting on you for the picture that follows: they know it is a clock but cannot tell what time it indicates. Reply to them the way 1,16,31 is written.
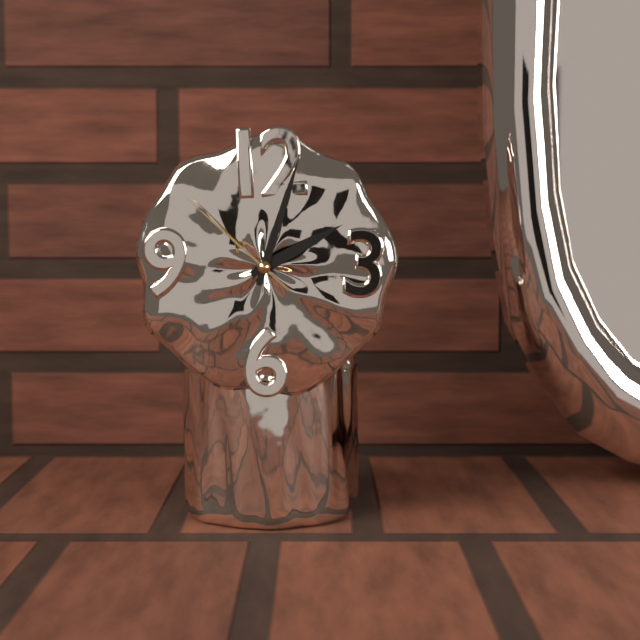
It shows 2,03,52
